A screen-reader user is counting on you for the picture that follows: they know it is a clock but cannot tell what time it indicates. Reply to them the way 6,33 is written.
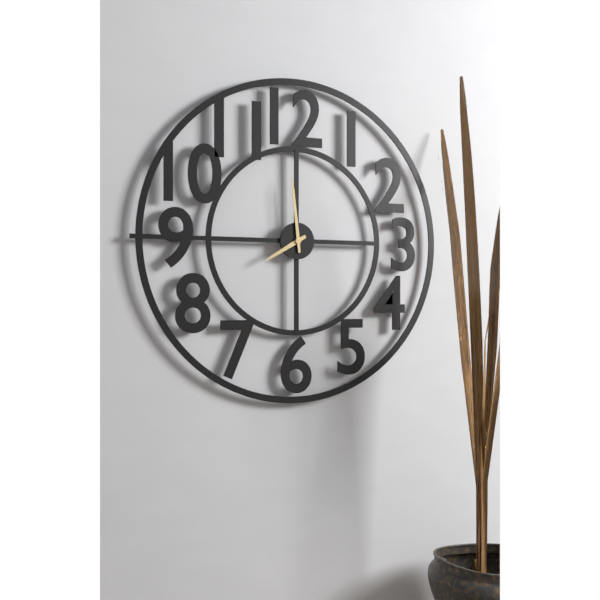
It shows 7,59
